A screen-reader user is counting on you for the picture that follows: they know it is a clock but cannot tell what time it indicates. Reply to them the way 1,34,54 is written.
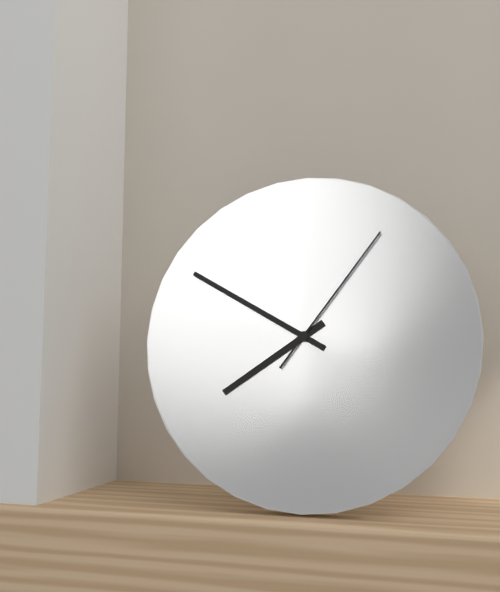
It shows 7,50,06
